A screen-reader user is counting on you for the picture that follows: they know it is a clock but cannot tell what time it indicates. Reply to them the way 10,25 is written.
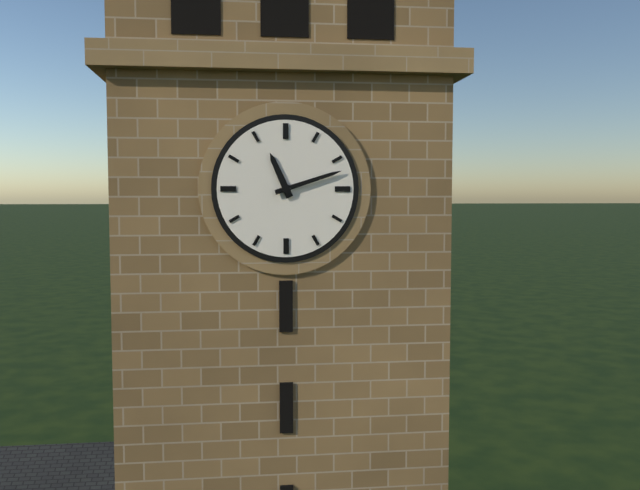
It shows 11,12
